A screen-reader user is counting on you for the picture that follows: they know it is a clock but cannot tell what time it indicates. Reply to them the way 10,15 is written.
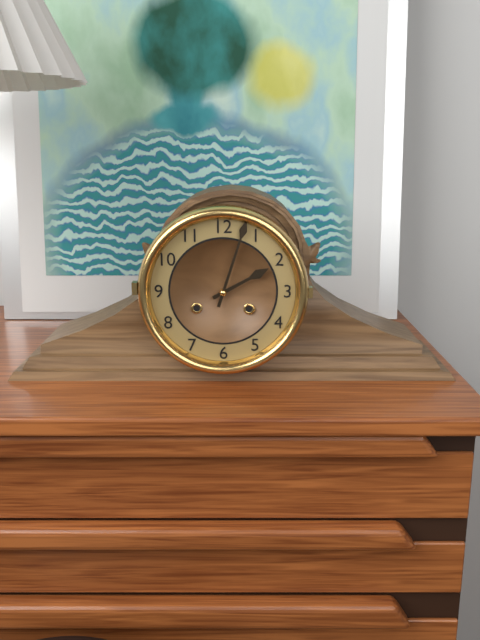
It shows 2,03
